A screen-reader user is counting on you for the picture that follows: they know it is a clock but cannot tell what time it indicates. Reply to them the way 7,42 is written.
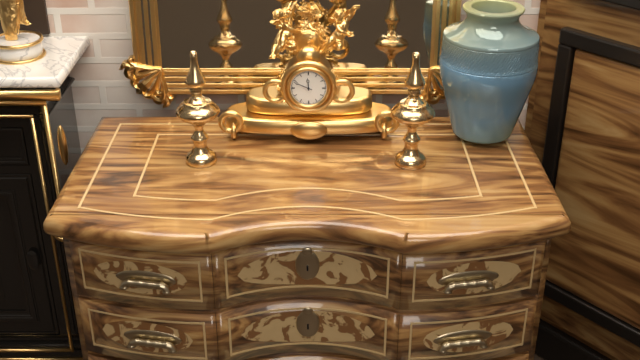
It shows 11,49
